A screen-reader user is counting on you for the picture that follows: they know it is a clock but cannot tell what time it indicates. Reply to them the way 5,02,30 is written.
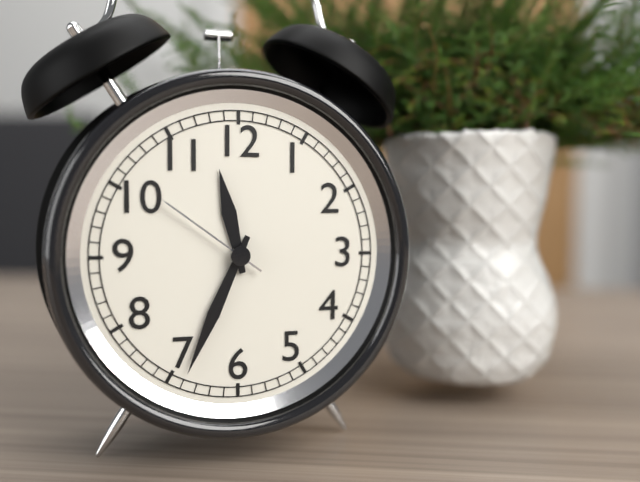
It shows 11,34,51
